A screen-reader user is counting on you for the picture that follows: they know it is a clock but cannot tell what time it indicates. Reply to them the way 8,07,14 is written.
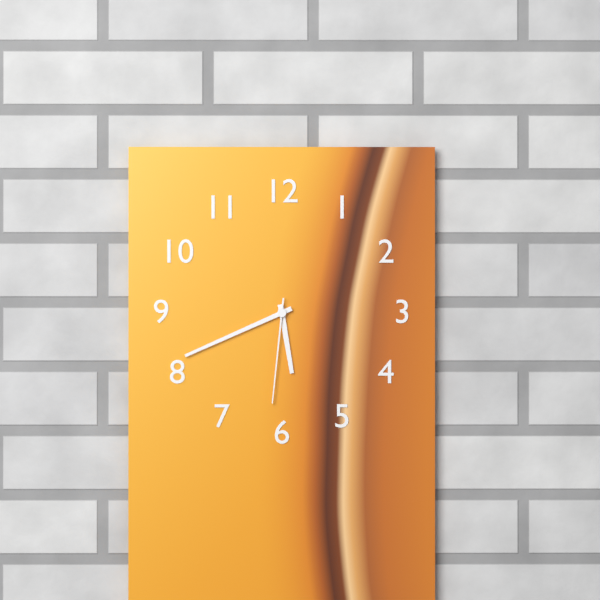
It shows 5,41,31
